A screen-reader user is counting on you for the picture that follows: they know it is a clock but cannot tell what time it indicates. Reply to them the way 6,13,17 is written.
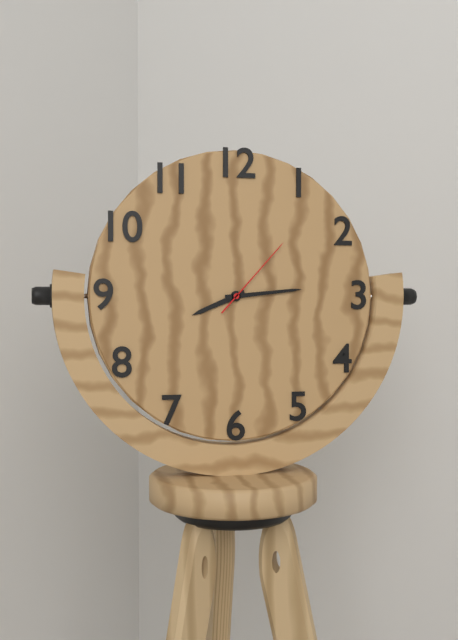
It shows 8,14,07
